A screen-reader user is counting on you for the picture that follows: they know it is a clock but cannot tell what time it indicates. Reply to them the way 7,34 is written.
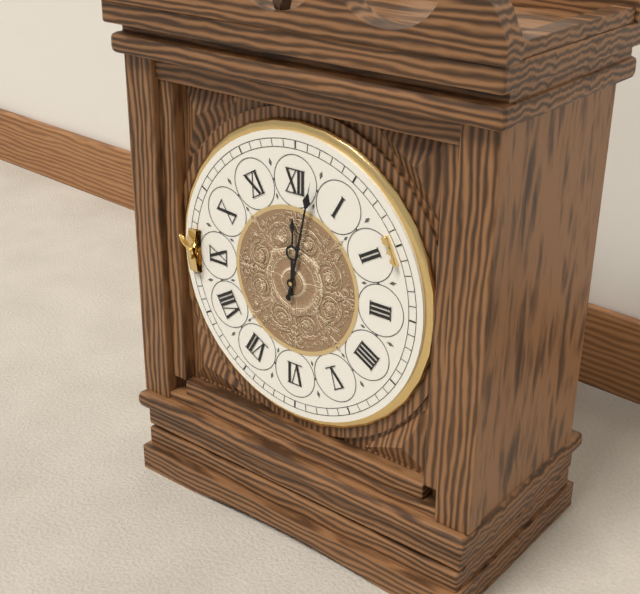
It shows 12,02
